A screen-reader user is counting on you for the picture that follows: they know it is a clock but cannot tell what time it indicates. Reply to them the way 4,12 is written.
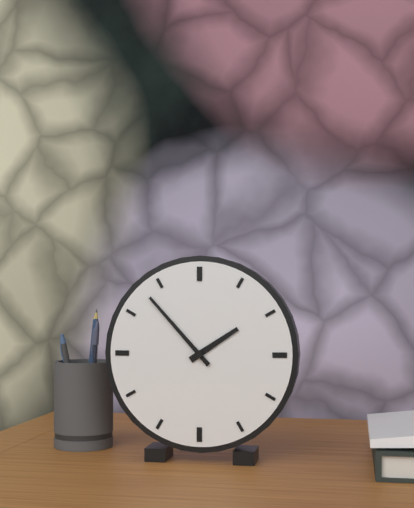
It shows 1,53
